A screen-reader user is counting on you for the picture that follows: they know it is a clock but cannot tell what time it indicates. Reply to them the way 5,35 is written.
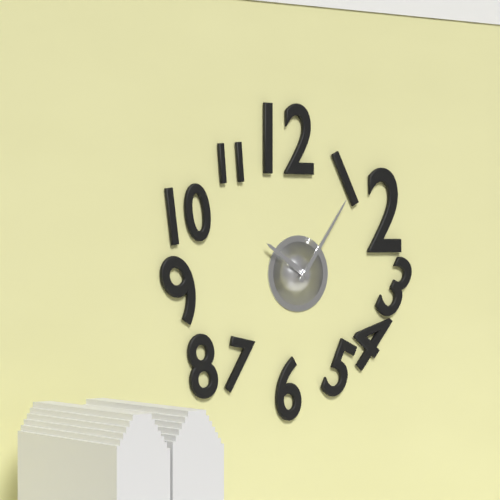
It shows 10,06
